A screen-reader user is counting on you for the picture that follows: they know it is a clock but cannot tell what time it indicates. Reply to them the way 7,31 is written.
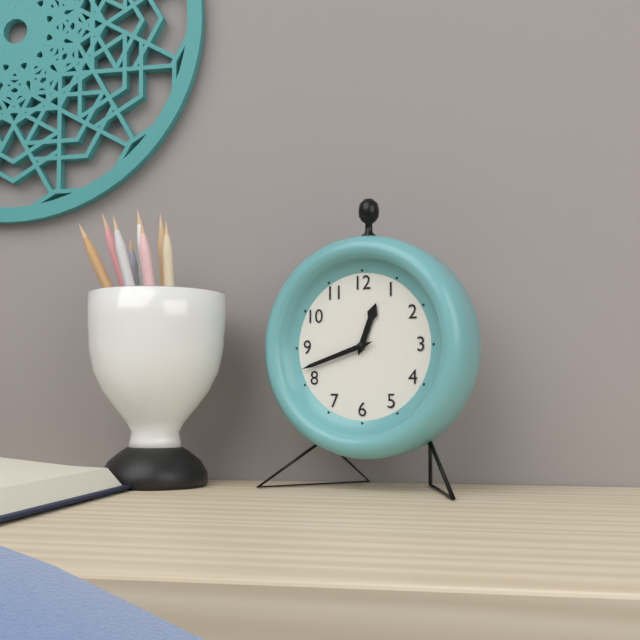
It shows 12,42
